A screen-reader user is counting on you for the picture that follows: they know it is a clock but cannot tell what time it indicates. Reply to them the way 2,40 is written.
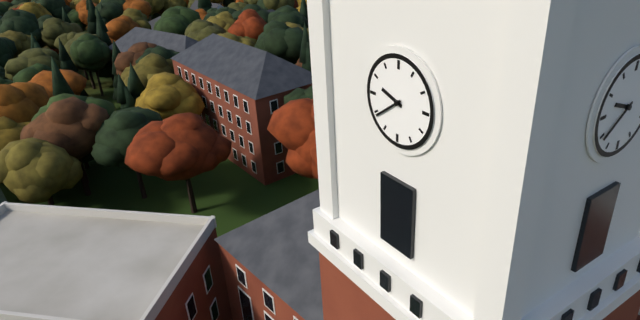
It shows 9,39
